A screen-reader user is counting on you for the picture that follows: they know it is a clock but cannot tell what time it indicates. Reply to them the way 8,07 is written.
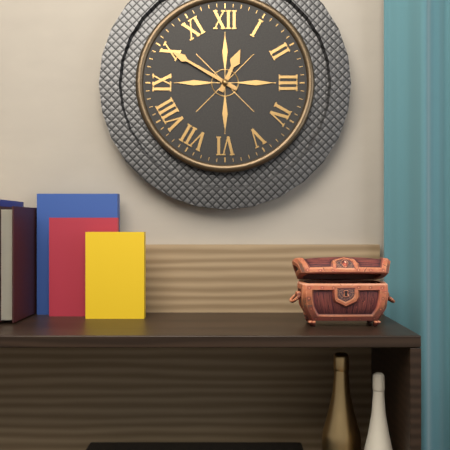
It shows 12,50
